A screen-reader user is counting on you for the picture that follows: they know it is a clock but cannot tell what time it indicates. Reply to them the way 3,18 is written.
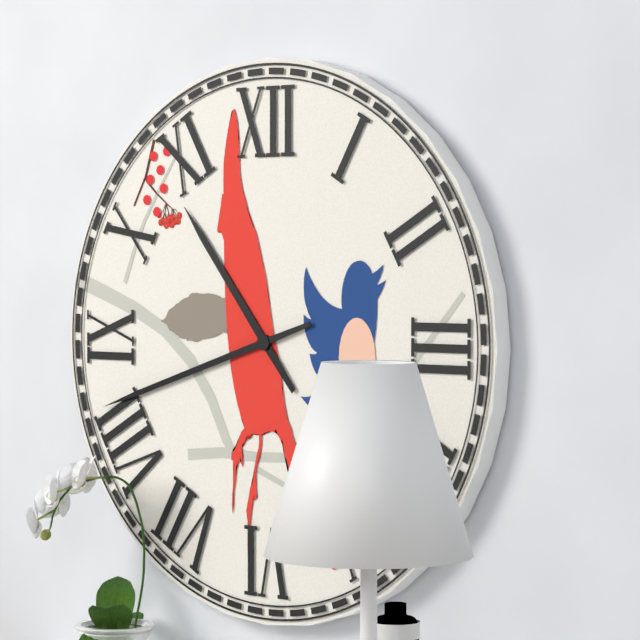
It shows 10,42
